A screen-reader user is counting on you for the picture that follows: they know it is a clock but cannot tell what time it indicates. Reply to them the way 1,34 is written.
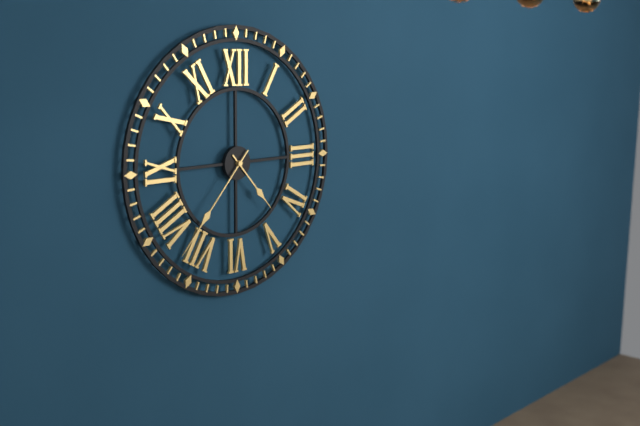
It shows 4,37
